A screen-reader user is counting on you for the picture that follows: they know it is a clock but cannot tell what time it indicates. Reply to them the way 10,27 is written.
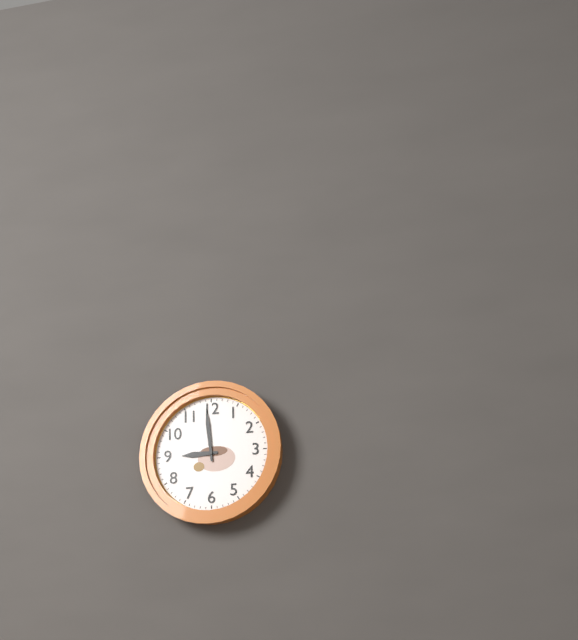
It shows 8,59
